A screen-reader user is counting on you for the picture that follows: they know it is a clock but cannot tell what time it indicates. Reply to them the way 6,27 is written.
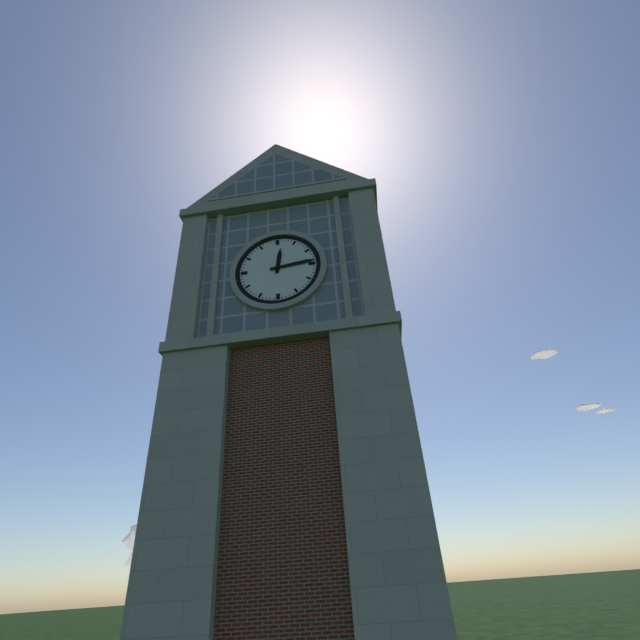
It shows 12,14
